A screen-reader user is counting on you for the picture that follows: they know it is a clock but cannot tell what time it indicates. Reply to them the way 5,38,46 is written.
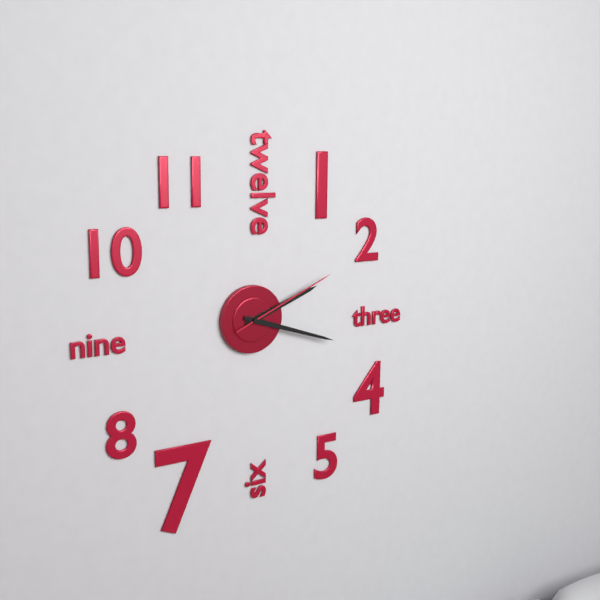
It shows 2,18,11
